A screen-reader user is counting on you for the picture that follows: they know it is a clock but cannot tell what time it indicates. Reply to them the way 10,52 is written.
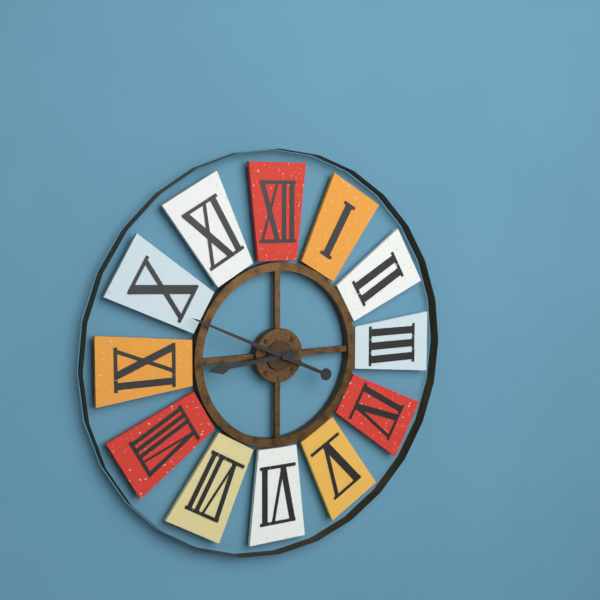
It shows 8,49
